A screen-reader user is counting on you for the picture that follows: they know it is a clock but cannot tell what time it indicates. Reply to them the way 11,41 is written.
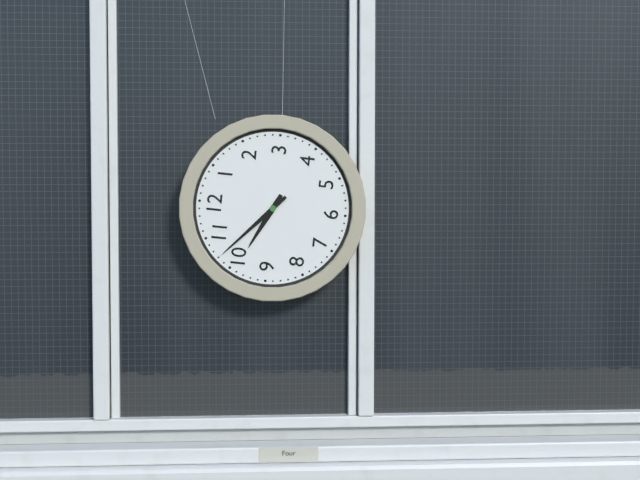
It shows 9,52
